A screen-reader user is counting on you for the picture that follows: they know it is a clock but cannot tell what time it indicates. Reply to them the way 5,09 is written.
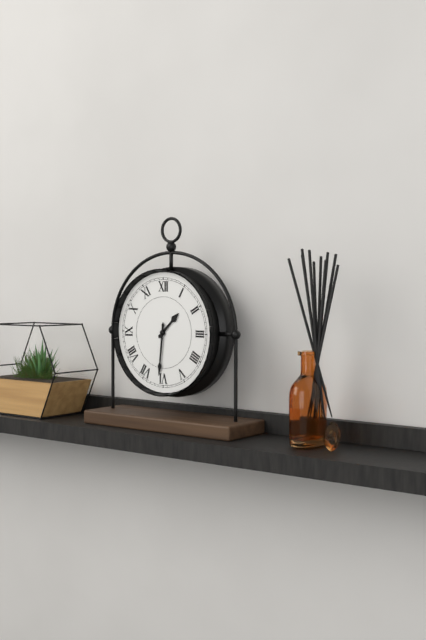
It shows 1,31
